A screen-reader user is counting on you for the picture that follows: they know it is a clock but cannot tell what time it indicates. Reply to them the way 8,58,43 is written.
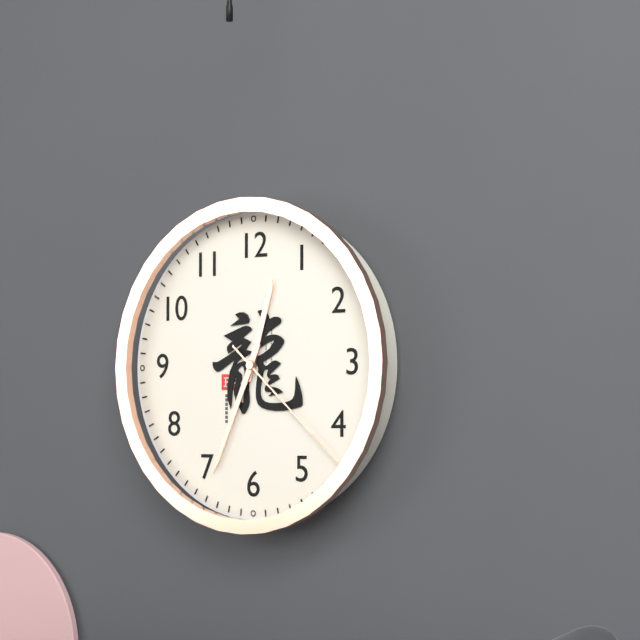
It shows 12,34,22
